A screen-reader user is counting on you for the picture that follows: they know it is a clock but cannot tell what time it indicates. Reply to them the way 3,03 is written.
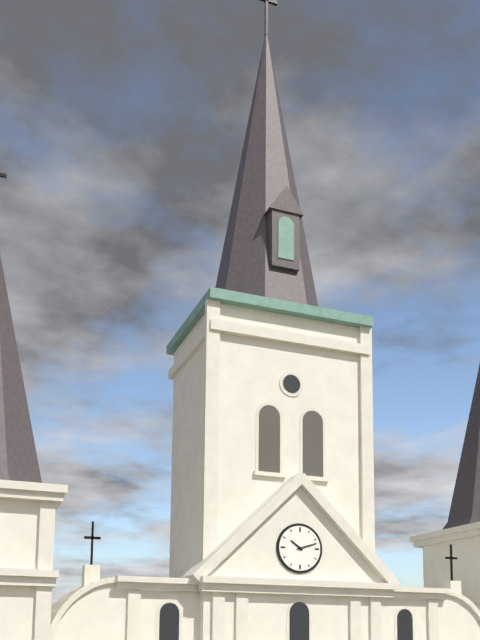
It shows 10,12
